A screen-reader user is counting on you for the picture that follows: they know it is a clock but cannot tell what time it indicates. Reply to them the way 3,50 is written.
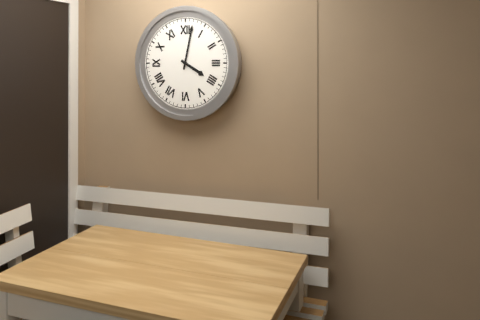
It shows 4,02
